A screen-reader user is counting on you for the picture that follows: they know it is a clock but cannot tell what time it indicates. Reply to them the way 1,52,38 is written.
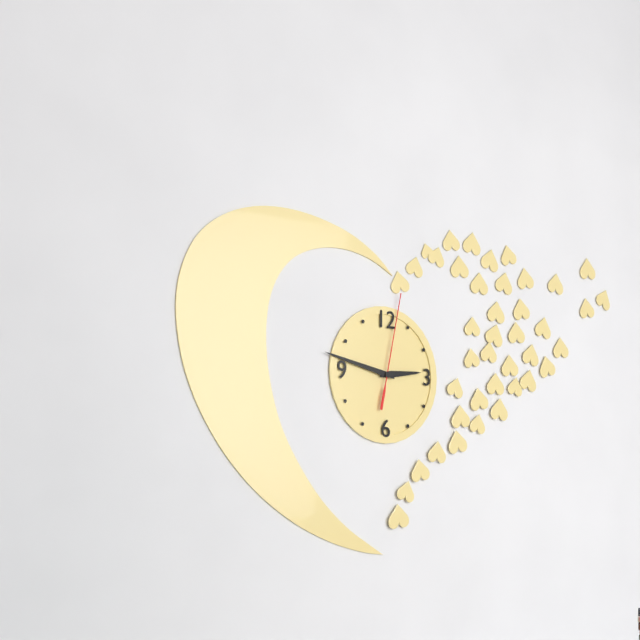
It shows 2,47,02
